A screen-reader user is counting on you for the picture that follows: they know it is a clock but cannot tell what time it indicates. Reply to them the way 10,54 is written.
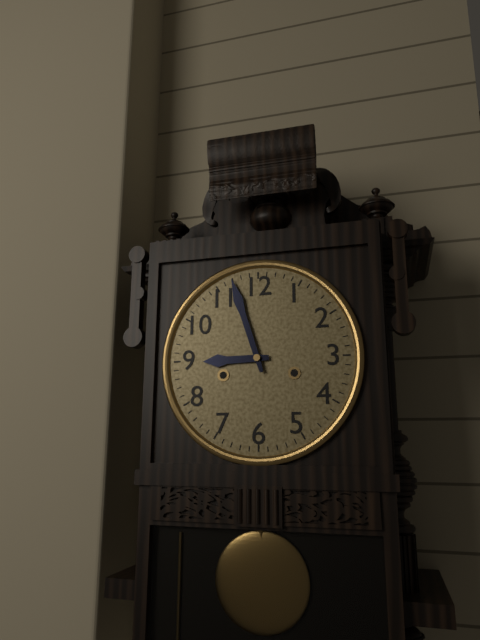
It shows 8,57
